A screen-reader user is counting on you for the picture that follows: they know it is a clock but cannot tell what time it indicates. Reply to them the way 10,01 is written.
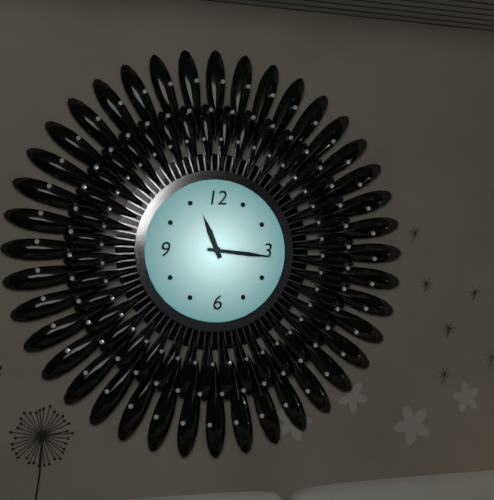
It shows 11,16
